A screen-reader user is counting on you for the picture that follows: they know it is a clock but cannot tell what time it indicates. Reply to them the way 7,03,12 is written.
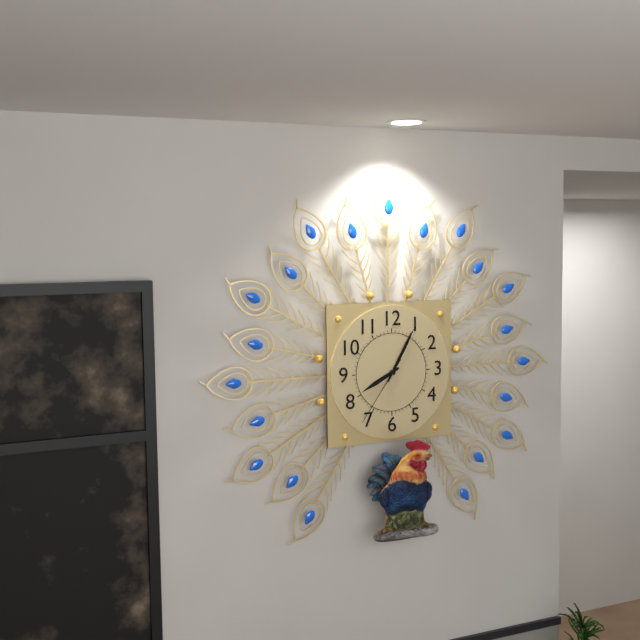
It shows 8,05,36
